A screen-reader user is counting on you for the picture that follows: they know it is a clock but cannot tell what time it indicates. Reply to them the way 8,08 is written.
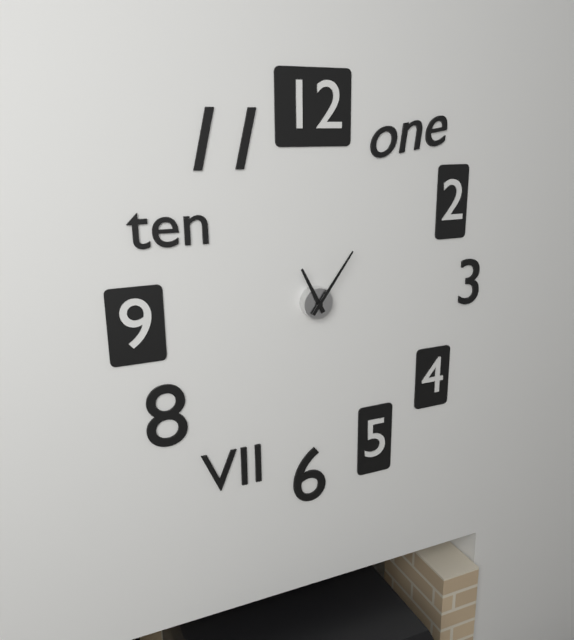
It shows 11,06
